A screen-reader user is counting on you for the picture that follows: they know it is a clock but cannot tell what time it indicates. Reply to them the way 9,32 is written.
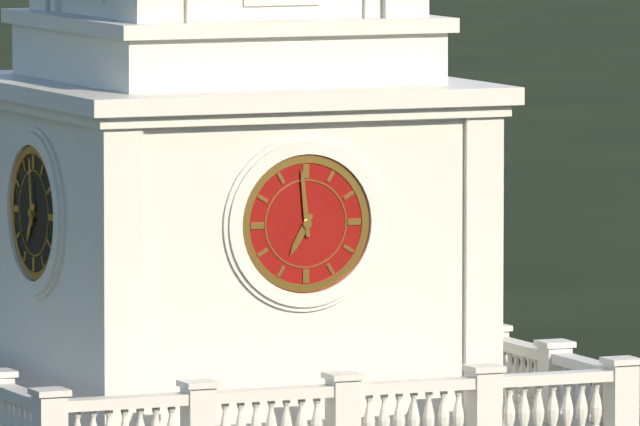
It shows 6,59
